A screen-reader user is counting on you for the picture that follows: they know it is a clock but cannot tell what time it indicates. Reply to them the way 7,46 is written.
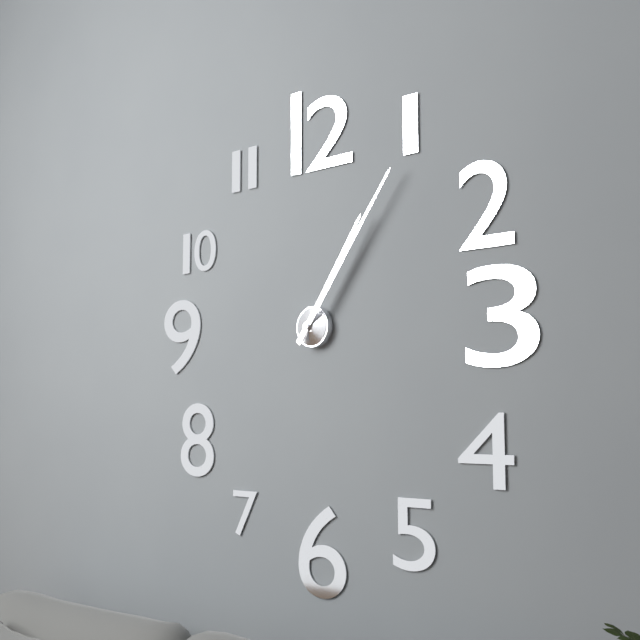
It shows 1,06
